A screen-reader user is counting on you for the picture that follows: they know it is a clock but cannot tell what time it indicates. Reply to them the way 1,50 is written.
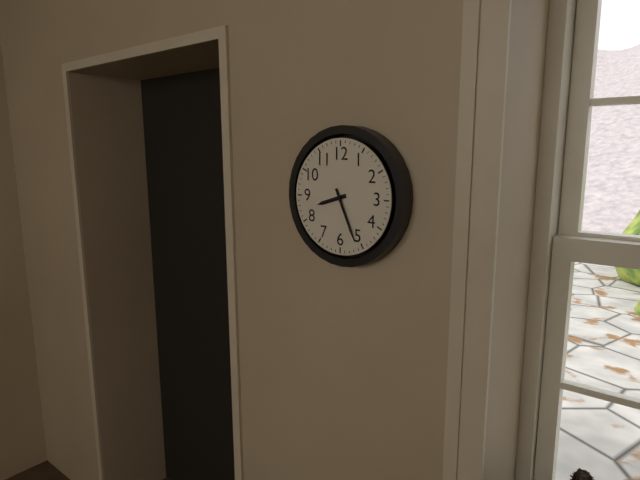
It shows 8,26
